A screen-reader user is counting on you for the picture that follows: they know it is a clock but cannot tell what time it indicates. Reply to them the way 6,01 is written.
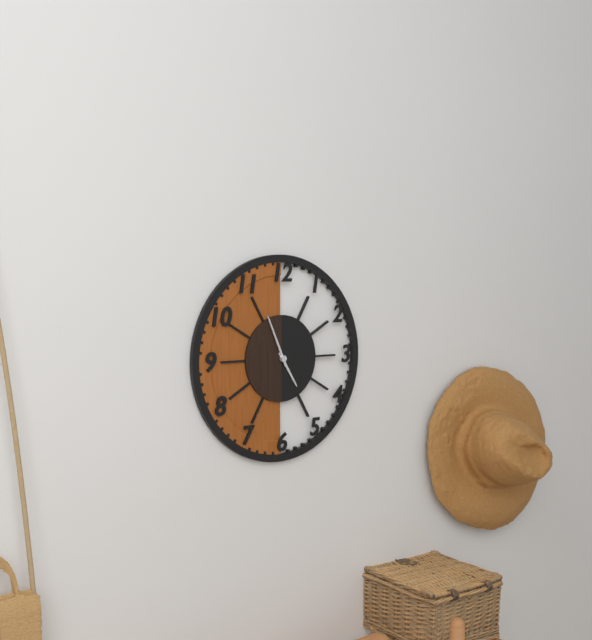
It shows 4,56
